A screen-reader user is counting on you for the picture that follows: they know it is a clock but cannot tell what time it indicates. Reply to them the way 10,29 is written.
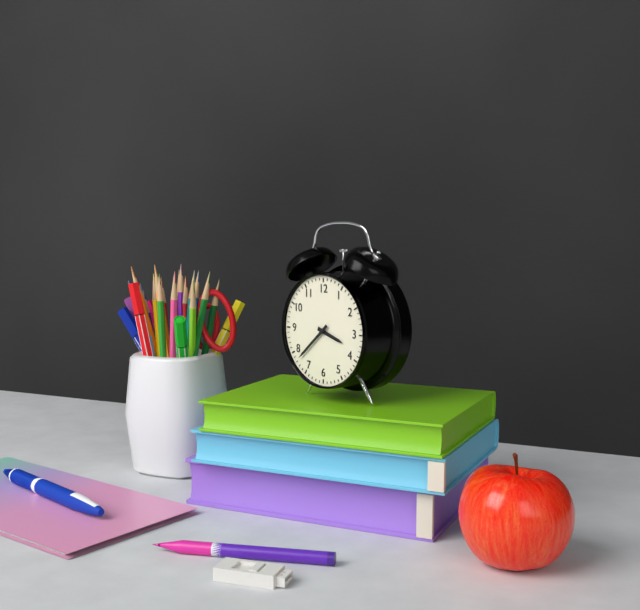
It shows 3,38
